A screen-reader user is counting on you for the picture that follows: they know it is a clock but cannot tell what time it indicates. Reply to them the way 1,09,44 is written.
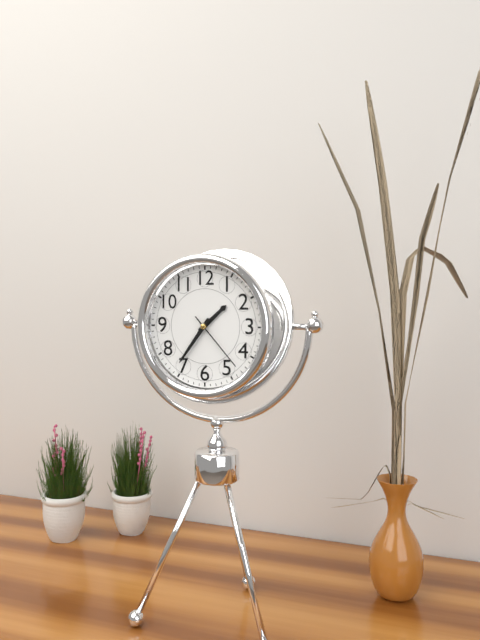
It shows 1,36,23
